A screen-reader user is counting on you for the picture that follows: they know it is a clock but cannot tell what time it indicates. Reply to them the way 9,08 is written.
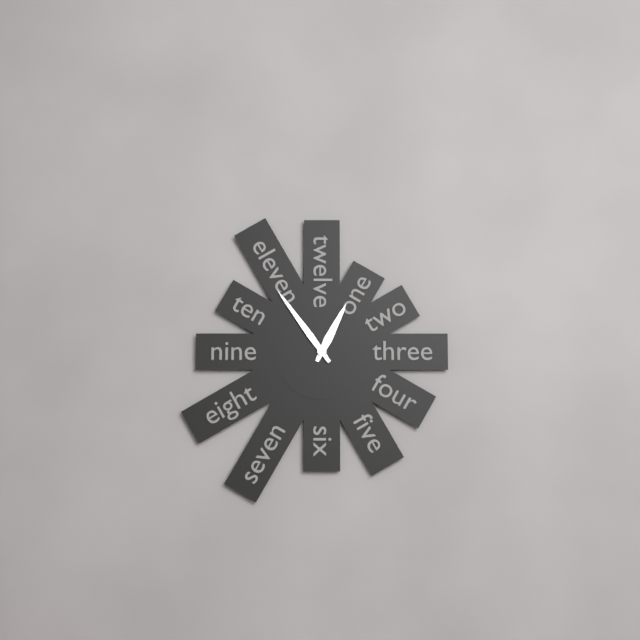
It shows 12,54
